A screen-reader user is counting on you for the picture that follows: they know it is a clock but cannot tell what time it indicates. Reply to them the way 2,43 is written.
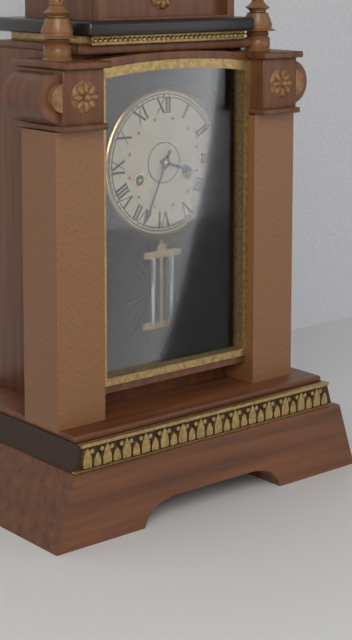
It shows 3,34
